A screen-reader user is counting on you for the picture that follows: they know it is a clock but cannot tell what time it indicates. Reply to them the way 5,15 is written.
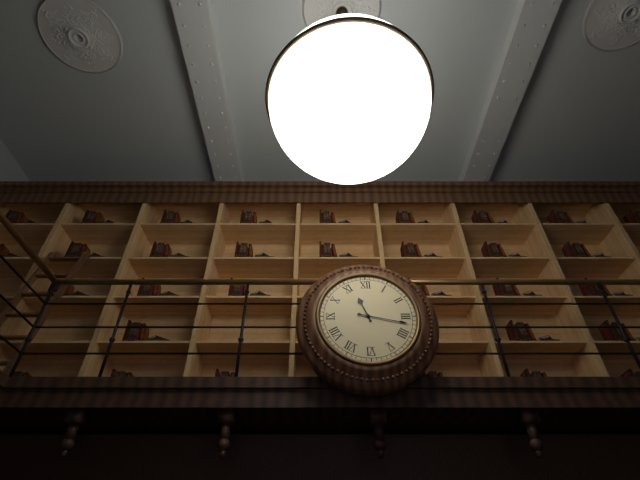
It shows 11,17
